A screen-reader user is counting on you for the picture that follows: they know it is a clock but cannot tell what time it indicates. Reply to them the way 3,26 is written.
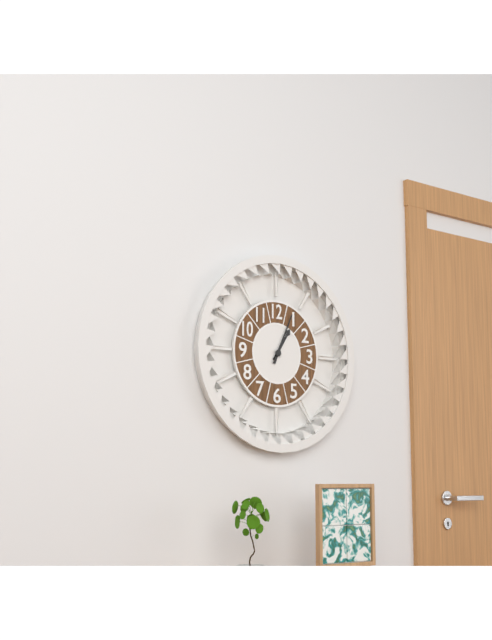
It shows 1,04
